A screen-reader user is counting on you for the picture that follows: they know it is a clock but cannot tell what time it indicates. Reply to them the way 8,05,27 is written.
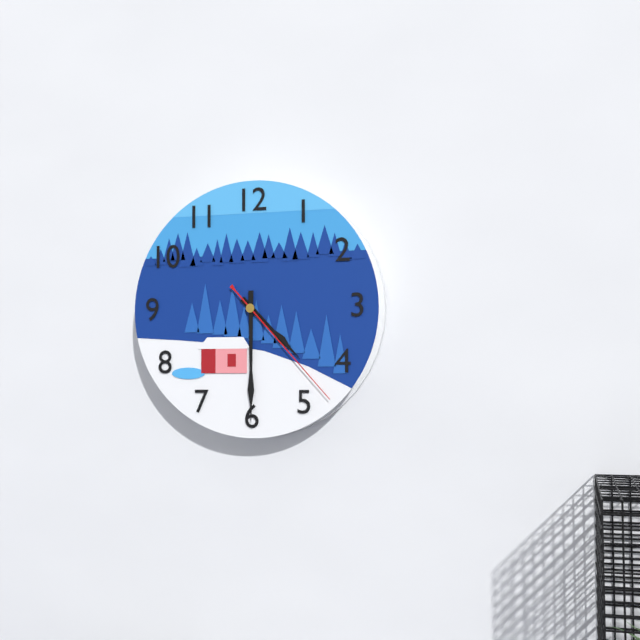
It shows 4,30,23
